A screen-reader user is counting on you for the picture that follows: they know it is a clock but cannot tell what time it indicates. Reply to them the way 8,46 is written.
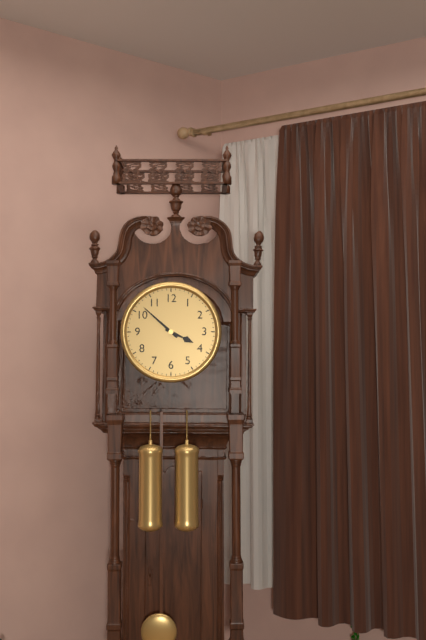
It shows 3,52
